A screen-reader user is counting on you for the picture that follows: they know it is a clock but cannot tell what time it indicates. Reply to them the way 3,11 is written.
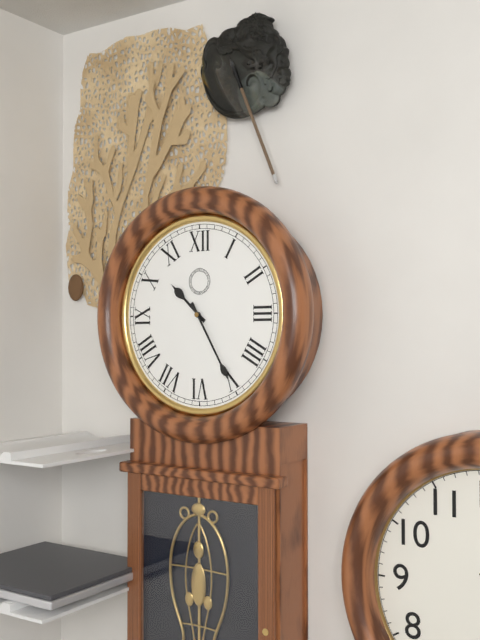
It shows 10,25
